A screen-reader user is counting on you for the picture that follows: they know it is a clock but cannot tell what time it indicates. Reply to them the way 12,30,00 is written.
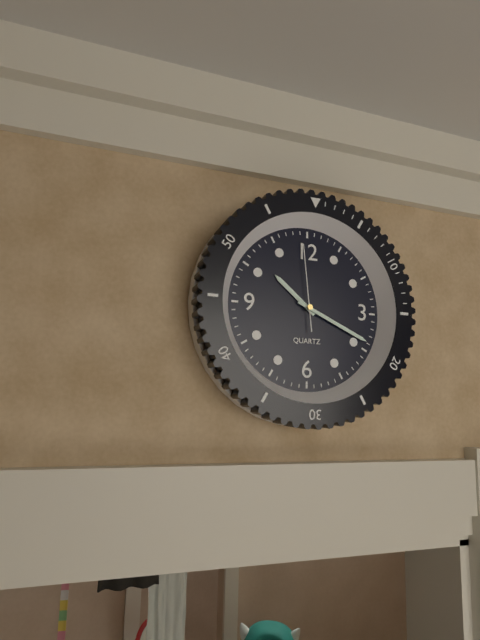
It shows 10,19,59
